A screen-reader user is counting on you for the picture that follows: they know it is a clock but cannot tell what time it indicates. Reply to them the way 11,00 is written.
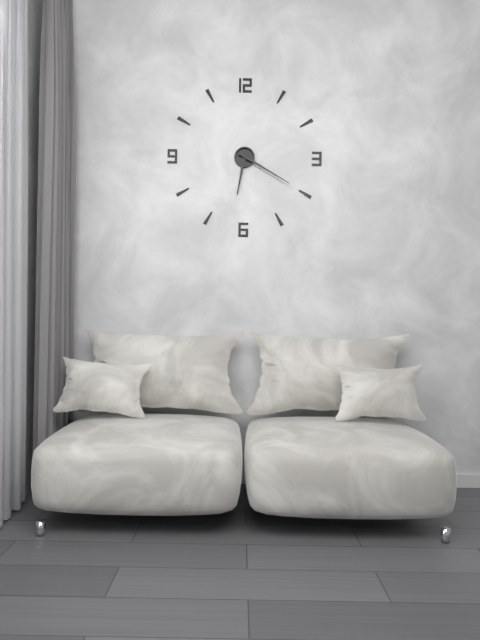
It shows 6,20
